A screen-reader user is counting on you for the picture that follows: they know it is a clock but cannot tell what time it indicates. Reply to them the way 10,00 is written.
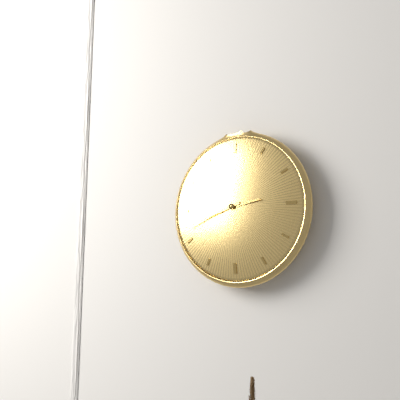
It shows 2,42
